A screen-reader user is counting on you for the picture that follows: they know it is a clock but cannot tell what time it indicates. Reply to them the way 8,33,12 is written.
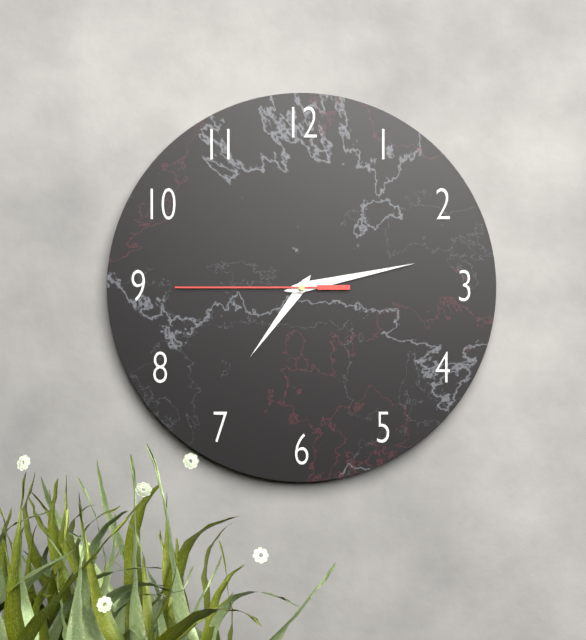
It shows 7,13,45
